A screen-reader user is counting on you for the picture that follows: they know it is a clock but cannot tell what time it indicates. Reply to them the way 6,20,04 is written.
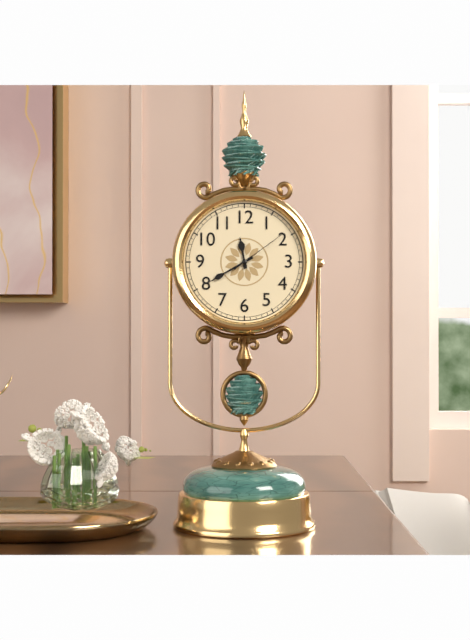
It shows 11,40,09
